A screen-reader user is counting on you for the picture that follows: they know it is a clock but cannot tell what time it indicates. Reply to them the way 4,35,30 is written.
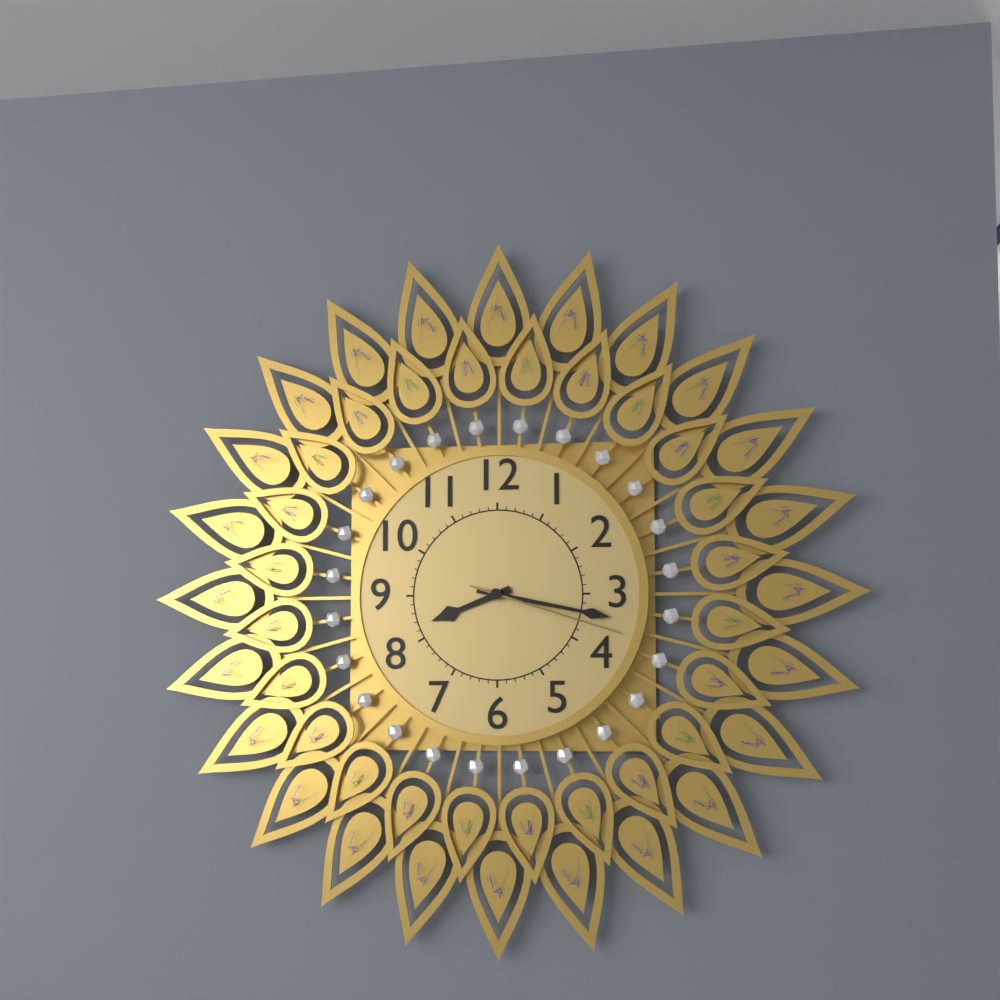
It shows 8,17,18
